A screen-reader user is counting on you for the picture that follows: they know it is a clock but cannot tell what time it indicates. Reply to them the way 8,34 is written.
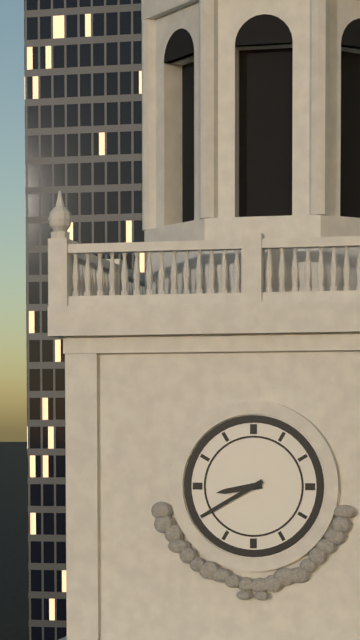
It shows 8,40
